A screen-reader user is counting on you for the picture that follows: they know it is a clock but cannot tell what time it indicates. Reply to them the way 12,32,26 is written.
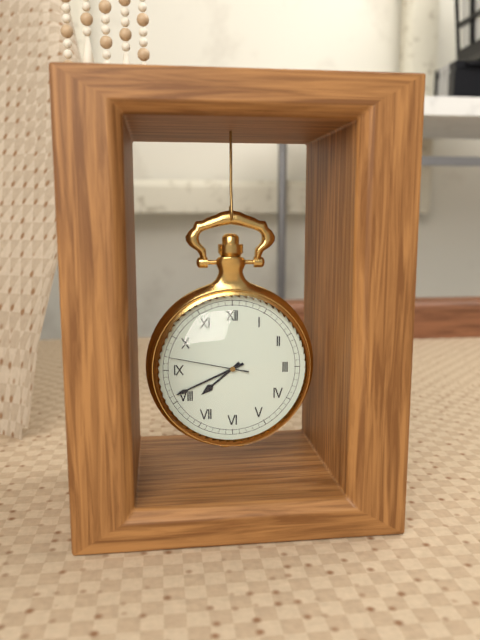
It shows 7,41,47
